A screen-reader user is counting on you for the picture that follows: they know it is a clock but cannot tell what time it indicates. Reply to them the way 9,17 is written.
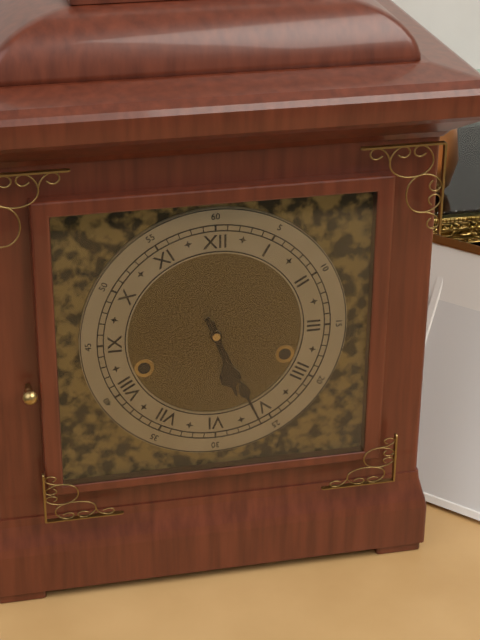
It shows 5,26
